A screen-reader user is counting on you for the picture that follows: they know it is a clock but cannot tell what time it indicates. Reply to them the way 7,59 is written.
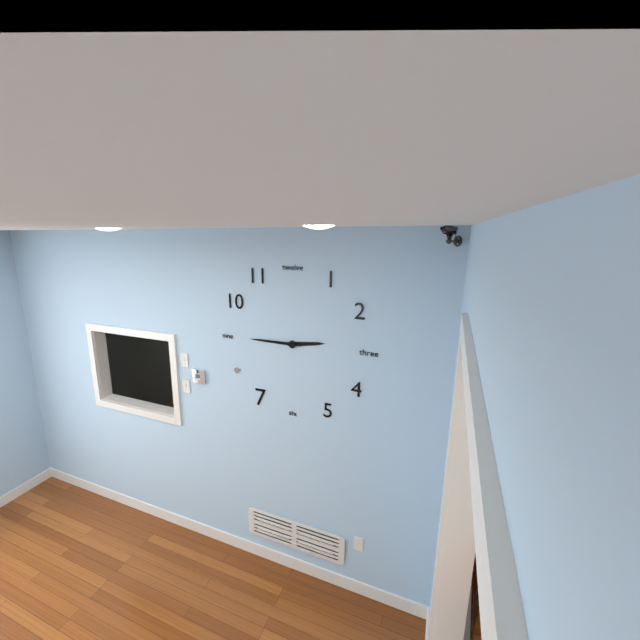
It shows 2,45
